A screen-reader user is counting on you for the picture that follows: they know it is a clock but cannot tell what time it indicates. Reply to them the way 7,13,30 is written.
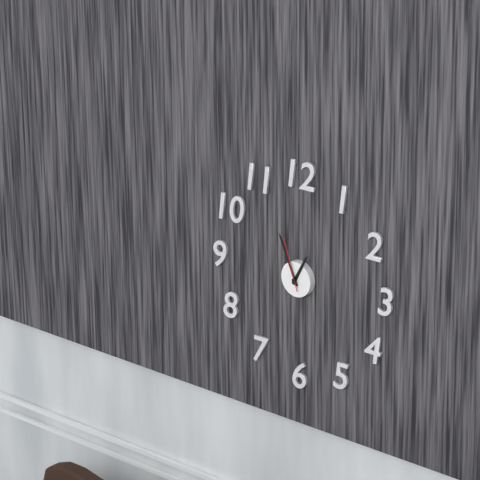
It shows 12,56,57
